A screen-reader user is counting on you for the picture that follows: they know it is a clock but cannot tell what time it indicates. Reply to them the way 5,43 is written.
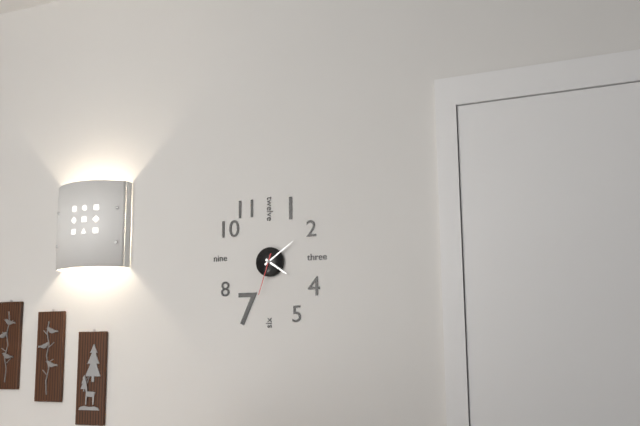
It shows 4,09
